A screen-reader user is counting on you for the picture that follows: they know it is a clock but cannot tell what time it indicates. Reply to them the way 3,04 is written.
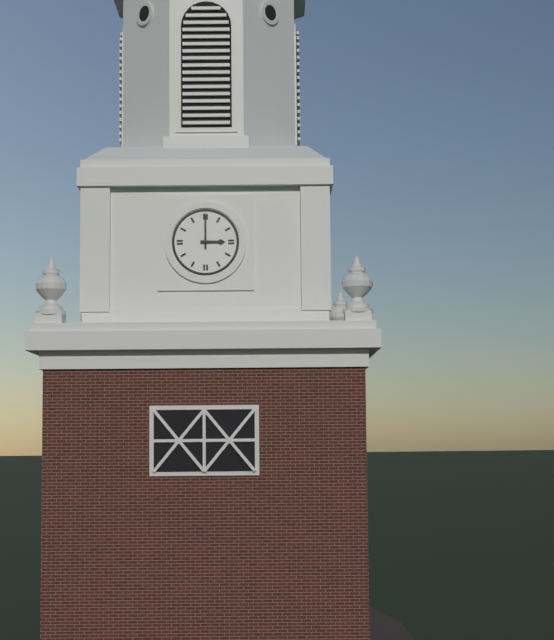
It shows 3,00
